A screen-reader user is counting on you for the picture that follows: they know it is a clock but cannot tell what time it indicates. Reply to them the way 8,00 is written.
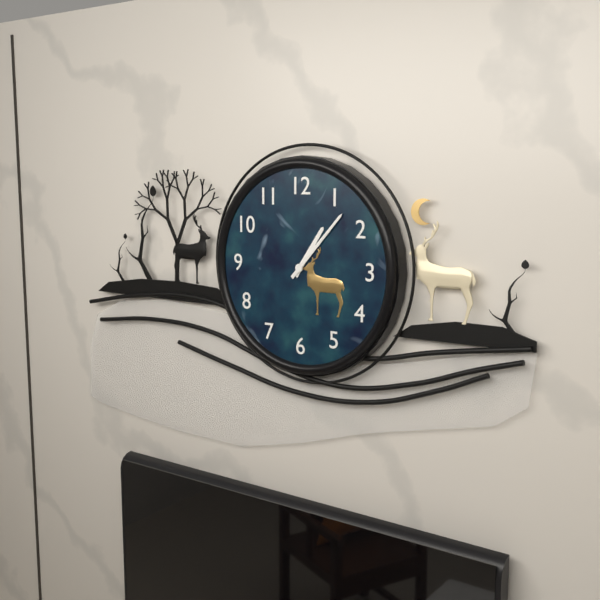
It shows 1,07
